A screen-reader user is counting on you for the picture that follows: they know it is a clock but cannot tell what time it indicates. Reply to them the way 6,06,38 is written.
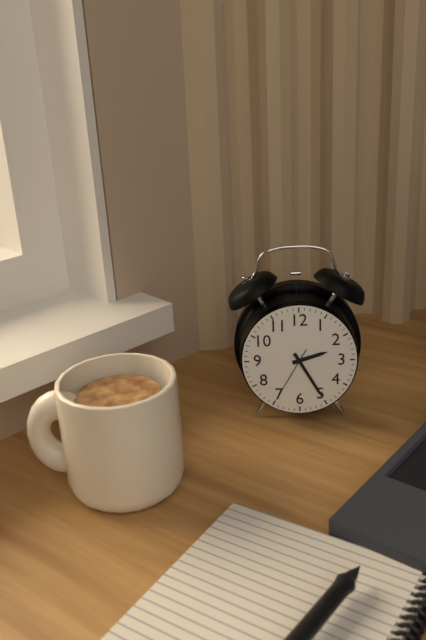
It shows 2,25,35
